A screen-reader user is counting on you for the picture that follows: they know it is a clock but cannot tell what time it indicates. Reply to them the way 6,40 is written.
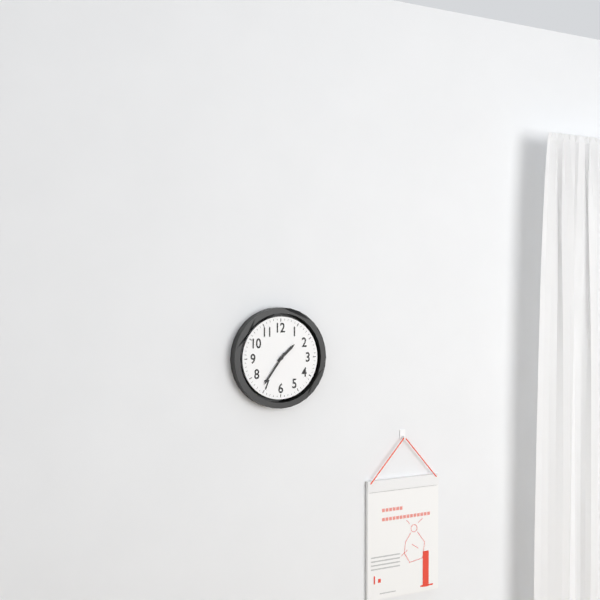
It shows 1,36
